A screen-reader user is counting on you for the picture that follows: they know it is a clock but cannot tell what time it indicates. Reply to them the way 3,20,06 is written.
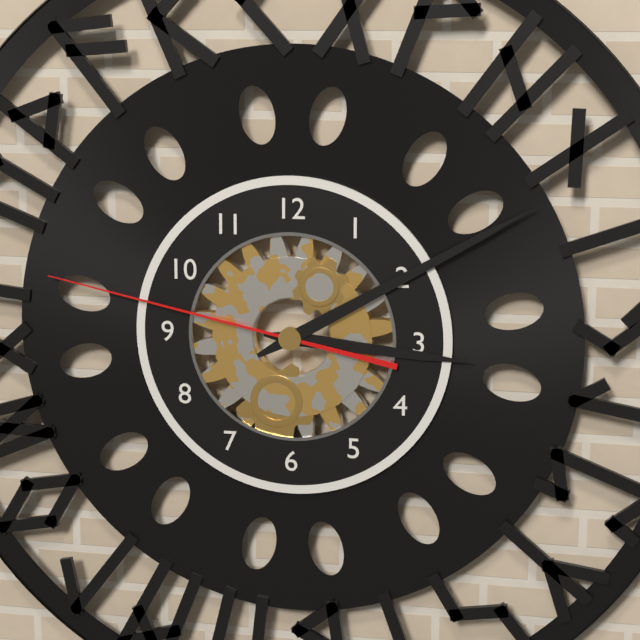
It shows 3,10,47
